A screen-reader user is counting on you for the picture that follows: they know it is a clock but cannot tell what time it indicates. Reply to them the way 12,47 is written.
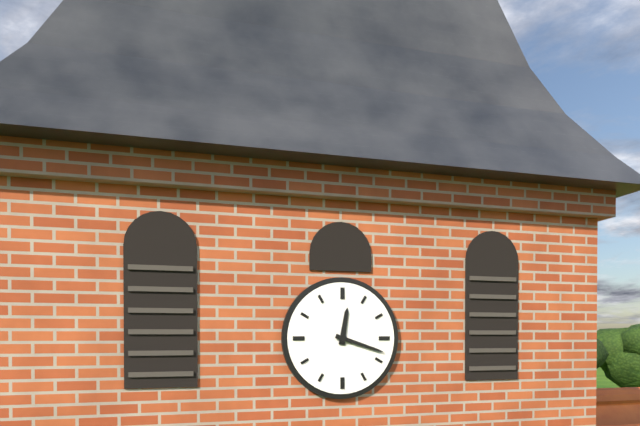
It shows 12,18
